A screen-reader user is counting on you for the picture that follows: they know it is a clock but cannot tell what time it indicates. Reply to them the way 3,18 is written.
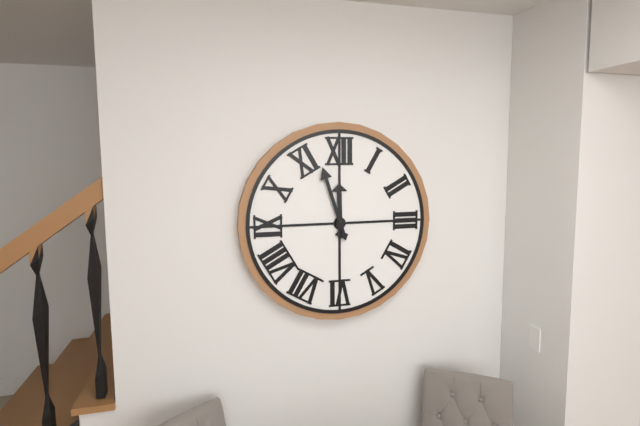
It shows 11,57
